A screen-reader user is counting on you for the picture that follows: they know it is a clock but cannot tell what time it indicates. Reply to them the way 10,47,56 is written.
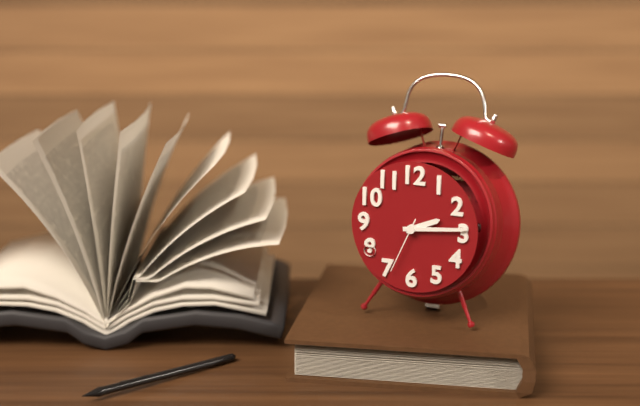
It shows 2,14,34
